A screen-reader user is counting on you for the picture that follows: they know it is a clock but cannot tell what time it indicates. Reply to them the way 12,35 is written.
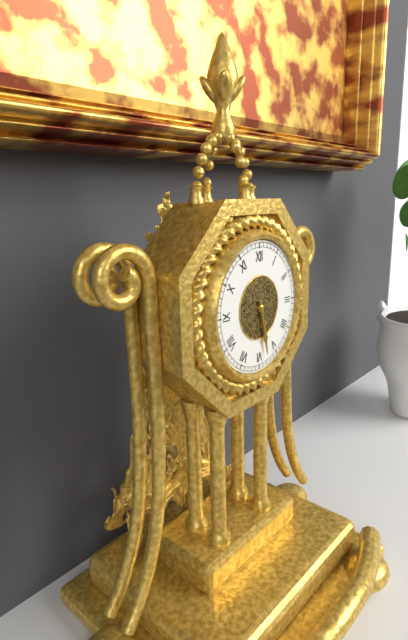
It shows 5,28
